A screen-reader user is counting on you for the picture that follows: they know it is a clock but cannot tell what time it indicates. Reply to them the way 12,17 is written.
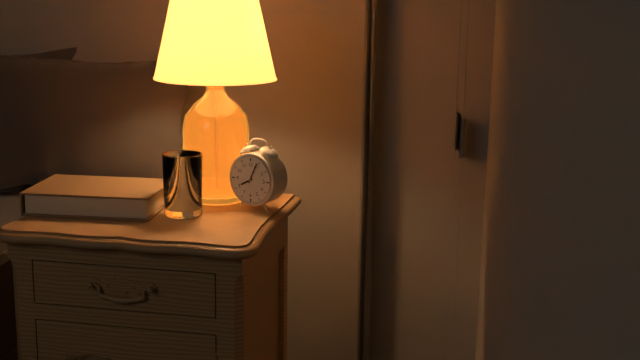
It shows 8,04
